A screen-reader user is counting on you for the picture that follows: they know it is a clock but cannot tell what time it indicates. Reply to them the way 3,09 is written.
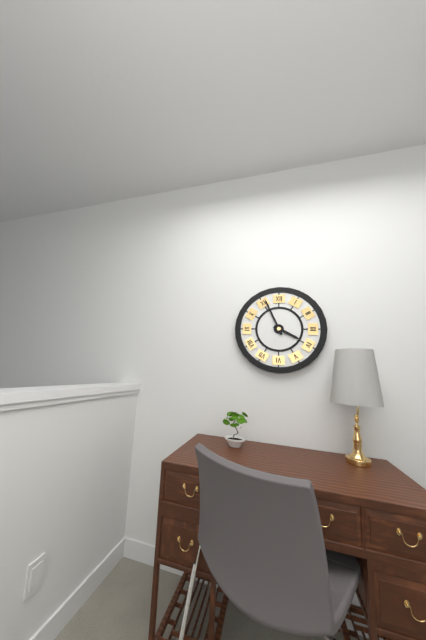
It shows 3,56
